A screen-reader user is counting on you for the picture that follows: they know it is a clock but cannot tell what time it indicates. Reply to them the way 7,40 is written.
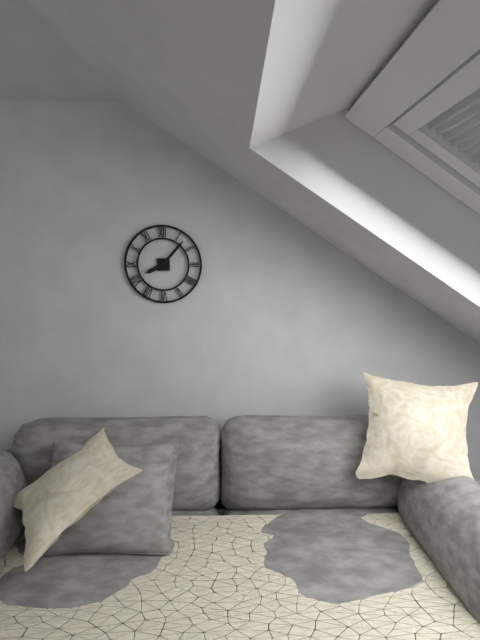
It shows 8,07
